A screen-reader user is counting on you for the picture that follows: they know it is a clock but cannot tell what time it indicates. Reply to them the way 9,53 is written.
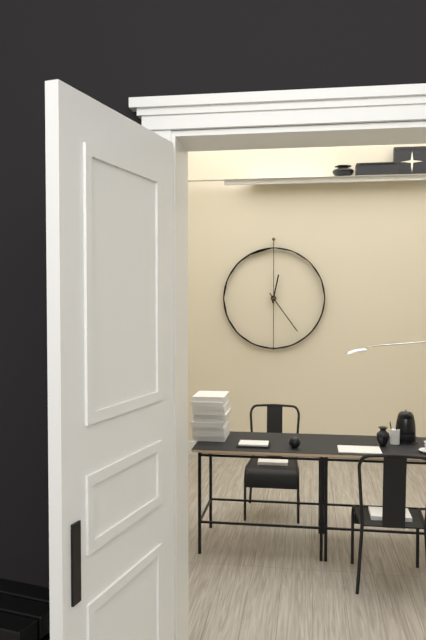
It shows 12,24
